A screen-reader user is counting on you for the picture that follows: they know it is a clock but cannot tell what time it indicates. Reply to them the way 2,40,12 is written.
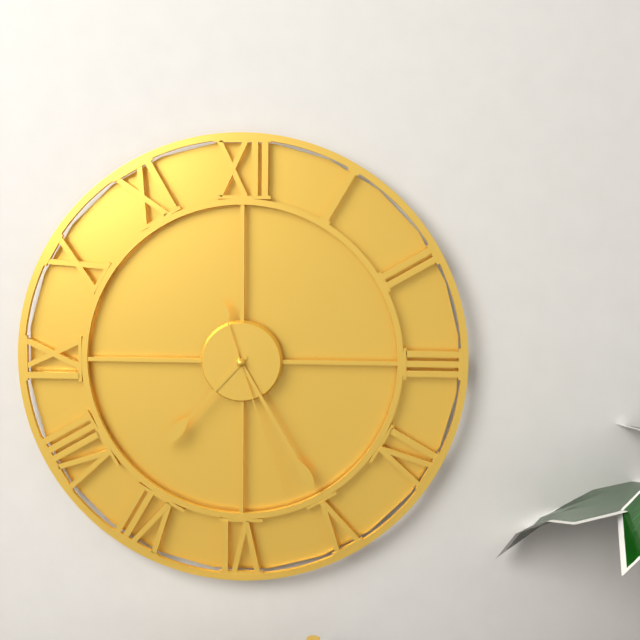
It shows 7,25,27
